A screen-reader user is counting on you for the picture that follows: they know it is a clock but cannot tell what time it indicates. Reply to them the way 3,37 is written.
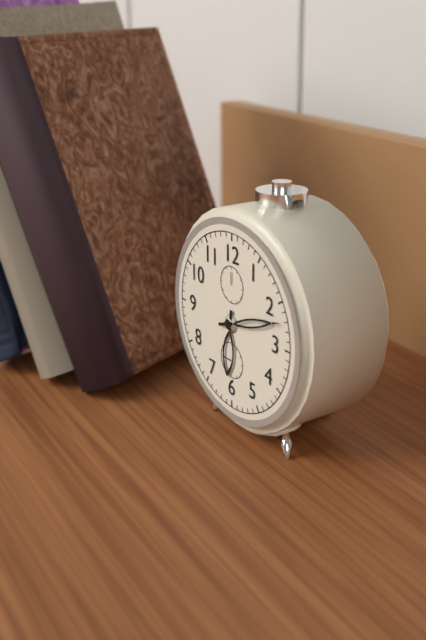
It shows 6,12
